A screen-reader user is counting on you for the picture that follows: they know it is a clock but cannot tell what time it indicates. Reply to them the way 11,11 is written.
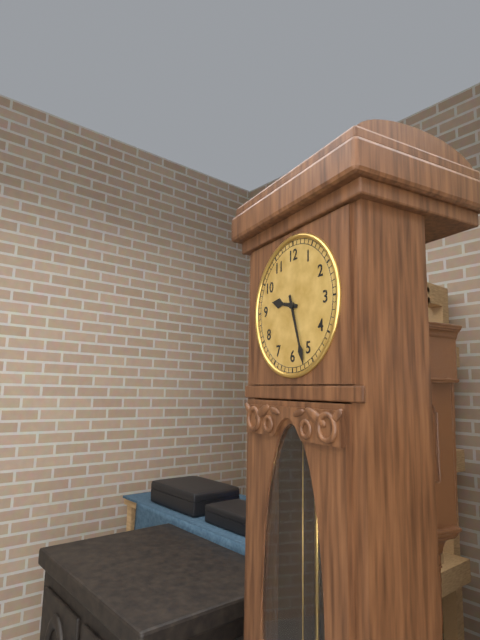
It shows 9,27
